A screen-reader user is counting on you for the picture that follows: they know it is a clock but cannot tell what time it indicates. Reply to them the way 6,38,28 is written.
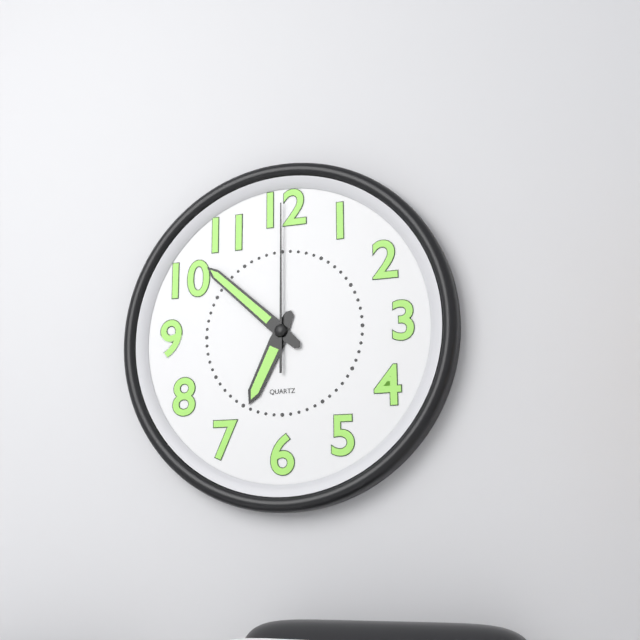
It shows 6,52,00
